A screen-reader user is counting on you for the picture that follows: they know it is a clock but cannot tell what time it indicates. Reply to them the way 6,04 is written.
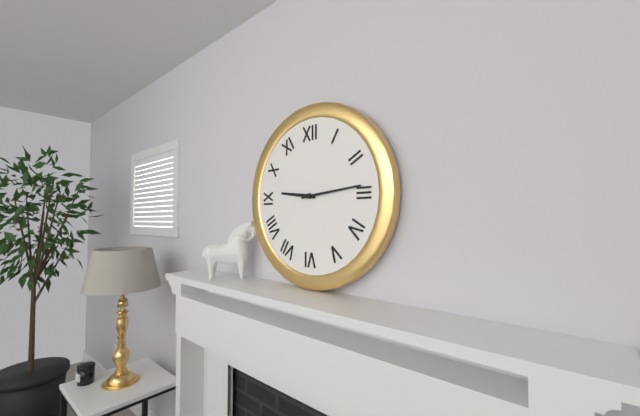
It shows 9,14
